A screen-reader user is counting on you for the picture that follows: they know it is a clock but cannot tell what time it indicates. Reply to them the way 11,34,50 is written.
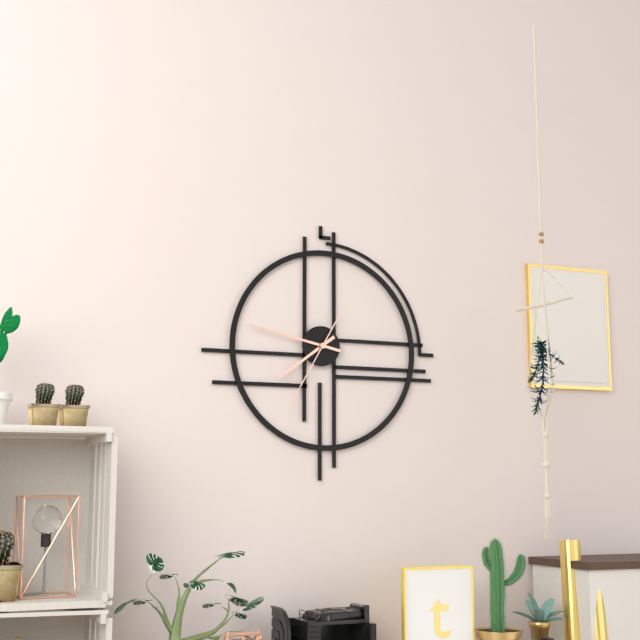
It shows 7,47,35
